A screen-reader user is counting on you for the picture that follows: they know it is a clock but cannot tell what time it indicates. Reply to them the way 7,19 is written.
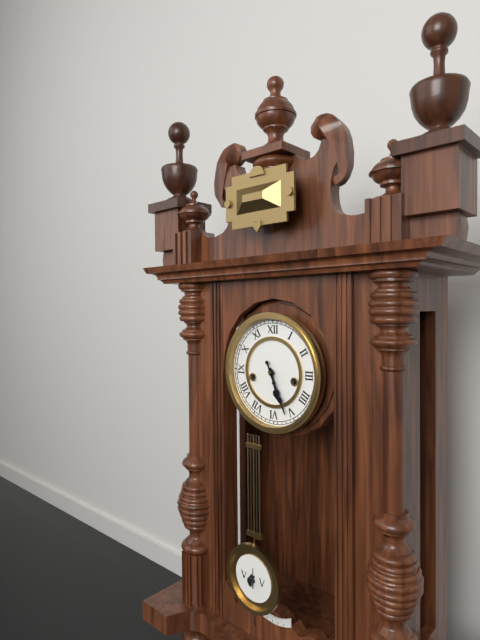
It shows 5,26
